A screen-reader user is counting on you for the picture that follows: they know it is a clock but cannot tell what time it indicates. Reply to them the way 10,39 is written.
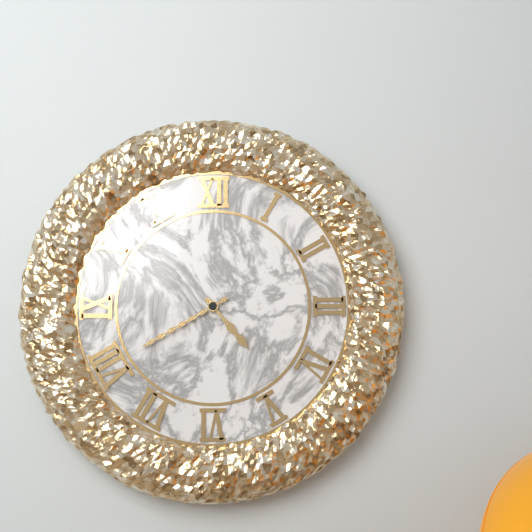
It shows 4,40
